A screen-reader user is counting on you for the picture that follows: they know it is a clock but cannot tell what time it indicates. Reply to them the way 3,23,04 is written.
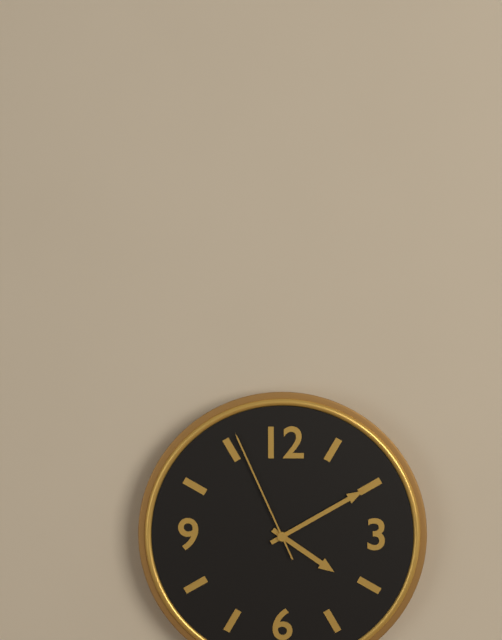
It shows 4,10,56
